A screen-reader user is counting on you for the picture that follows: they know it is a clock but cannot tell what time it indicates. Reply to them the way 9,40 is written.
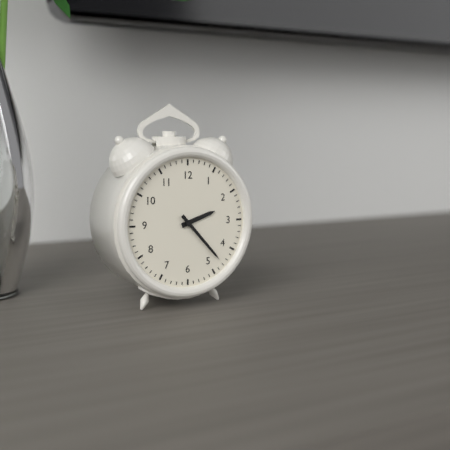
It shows 2,23
